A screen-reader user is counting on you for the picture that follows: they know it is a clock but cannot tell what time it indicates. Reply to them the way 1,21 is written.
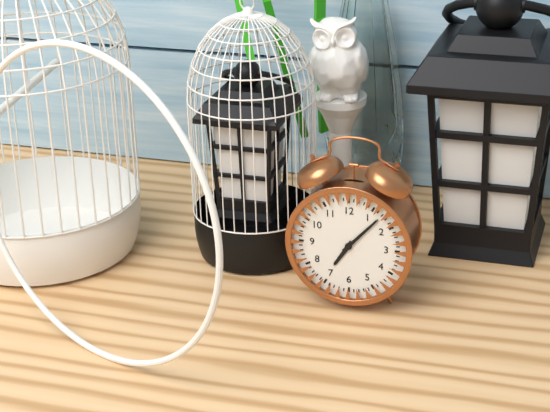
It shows 7,07
